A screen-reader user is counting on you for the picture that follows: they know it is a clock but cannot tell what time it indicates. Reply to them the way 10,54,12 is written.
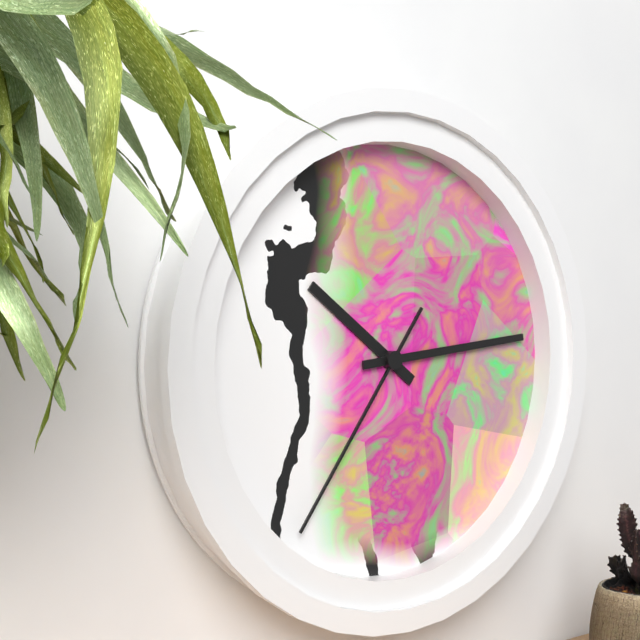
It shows 10,14,36
